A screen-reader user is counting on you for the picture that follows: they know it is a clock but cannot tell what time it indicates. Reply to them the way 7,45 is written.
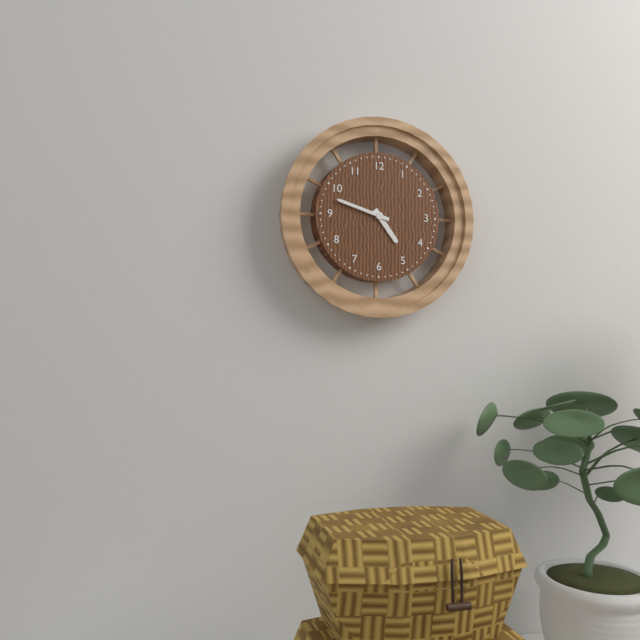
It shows 4,48
